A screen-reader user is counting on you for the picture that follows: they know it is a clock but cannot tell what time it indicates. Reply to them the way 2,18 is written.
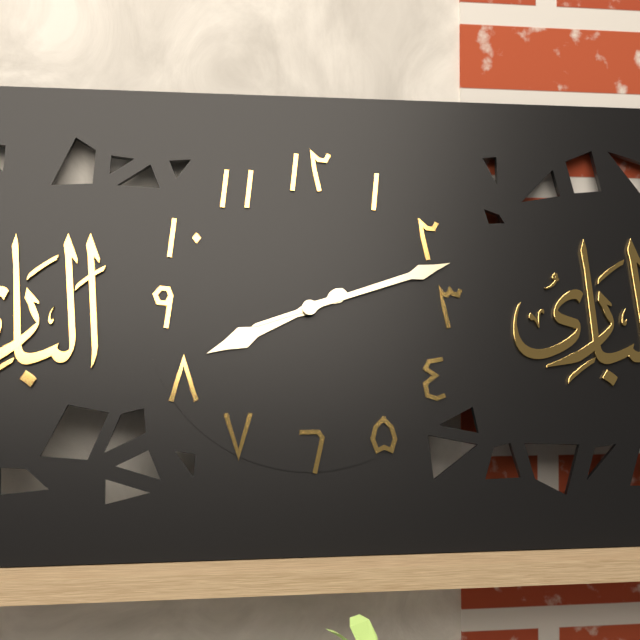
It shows 8,12
